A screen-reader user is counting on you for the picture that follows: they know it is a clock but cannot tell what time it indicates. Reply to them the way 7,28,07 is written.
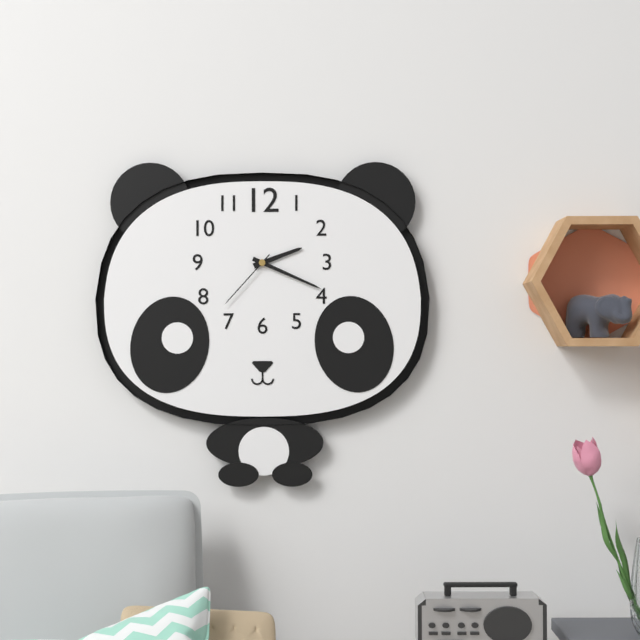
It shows 2,19,37
